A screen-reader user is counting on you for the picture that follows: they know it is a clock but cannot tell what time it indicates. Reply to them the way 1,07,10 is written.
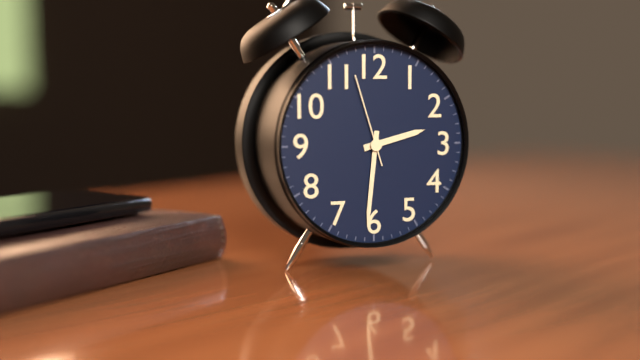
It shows 2,31,57
